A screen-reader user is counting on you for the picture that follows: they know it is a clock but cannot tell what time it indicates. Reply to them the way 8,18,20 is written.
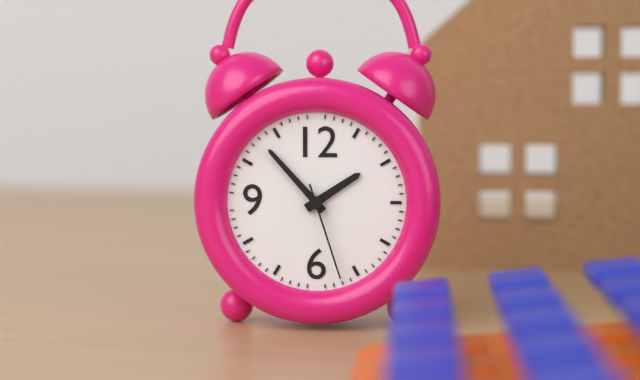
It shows 1,53,27
